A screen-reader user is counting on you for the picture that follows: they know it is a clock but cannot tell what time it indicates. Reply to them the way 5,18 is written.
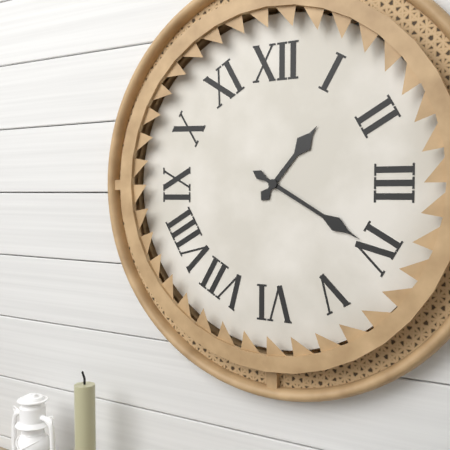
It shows 1,20
